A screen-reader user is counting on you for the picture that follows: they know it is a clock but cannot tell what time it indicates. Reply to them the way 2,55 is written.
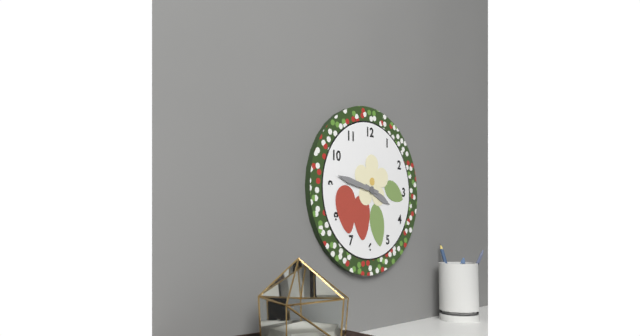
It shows 3,47
